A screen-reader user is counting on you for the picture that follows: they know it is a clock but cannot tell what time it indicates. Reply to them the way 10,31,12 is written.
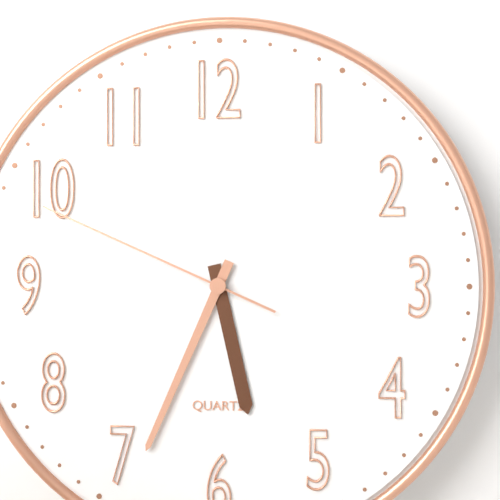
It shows 5,34,49
